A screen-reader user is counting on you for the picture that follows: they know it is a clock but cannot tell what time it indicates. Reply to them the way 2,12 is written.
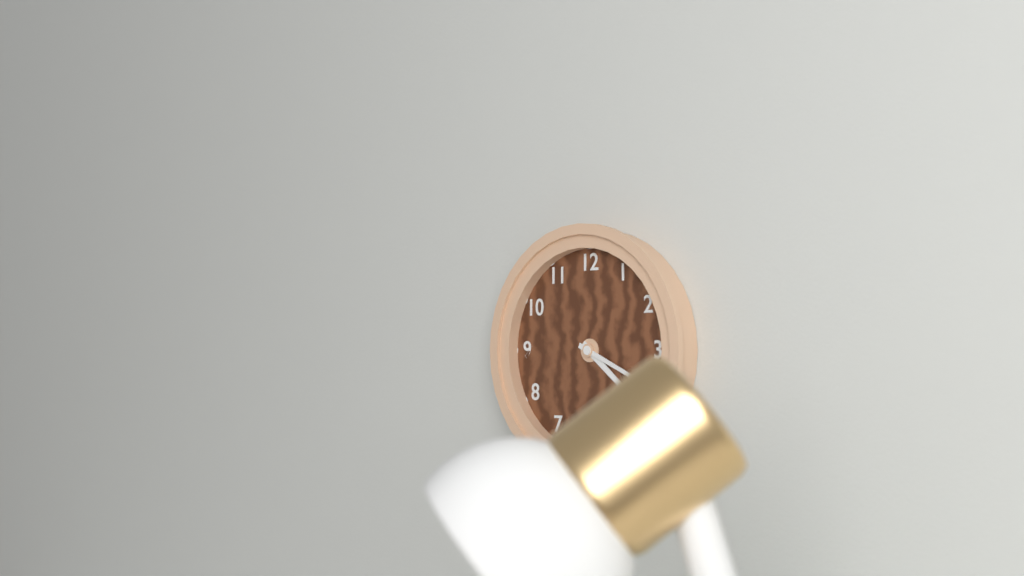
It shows 4,19
